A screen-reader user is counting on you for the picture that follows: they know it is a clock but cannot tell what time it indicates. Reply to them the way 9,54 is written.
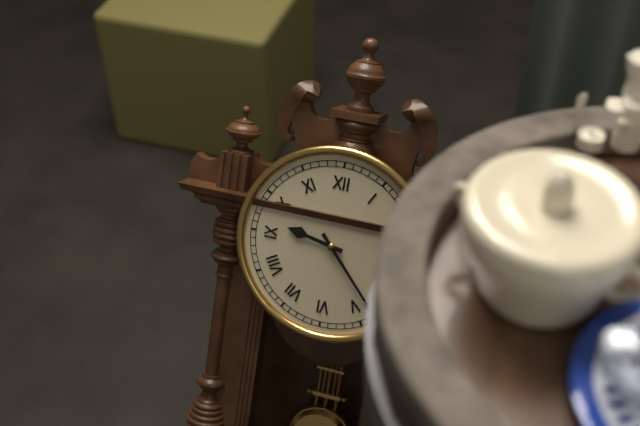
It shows 9,23
